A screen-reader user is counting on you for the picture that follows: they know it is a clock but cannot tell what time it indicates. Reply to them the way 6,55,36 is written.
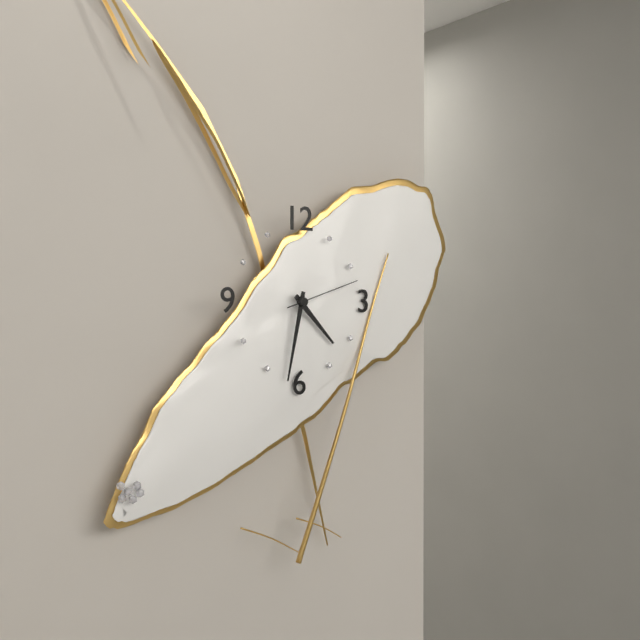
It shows 4,32,12
